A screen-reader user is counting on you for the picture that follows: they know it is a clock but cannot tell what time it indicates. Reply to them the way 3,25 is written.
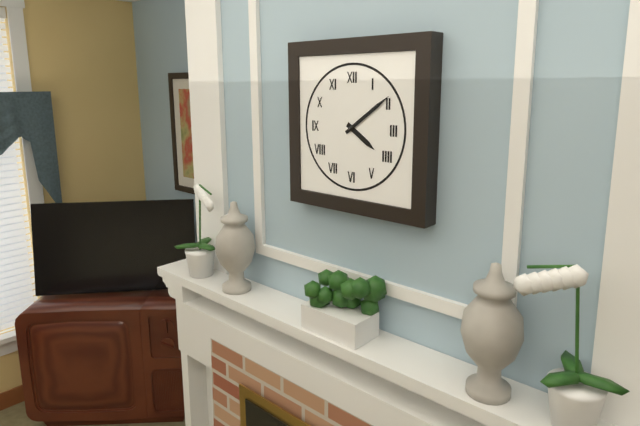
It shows 4,09
